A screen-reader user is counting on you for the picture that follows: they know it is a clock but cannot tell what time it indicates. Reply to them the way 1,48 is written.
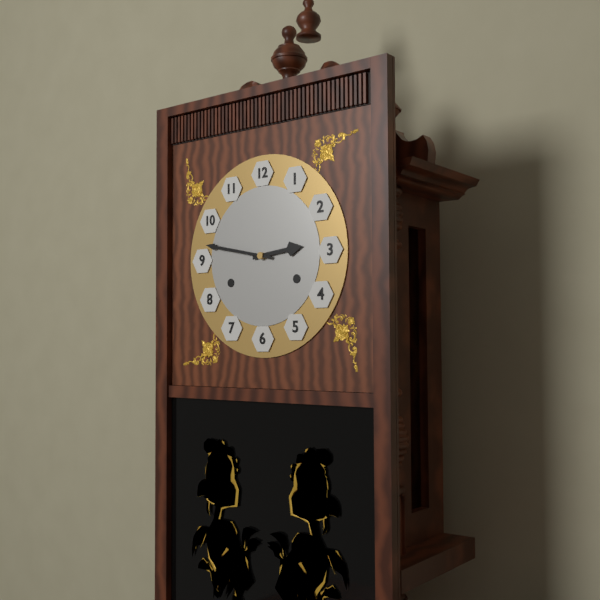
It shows 2,47
